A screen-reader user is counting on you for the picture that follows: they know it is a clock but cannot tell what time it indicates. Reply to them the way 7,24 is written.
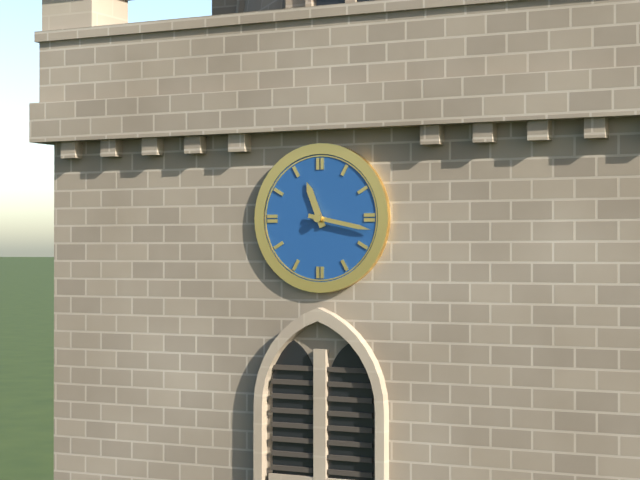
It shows 11,17
